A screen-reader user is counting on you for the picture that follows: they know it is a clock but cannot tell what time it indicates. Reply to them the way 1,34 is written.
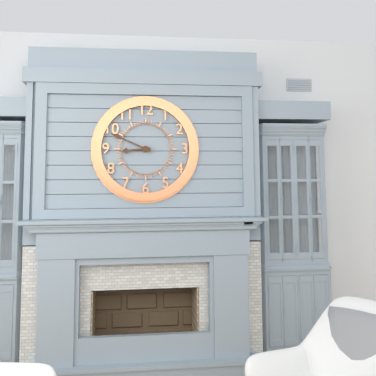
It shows 8,49
